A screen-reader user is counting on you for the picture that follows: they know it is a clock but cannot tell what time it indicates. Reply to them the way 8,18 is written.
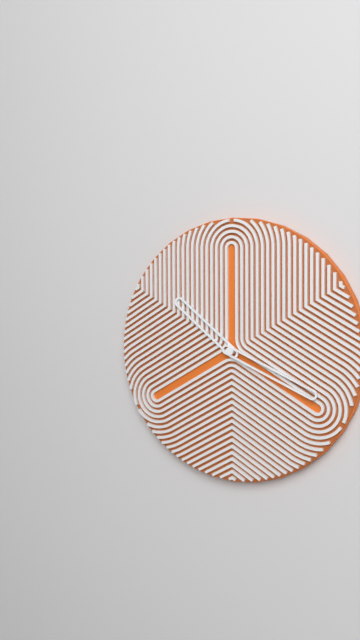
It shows 10,19
